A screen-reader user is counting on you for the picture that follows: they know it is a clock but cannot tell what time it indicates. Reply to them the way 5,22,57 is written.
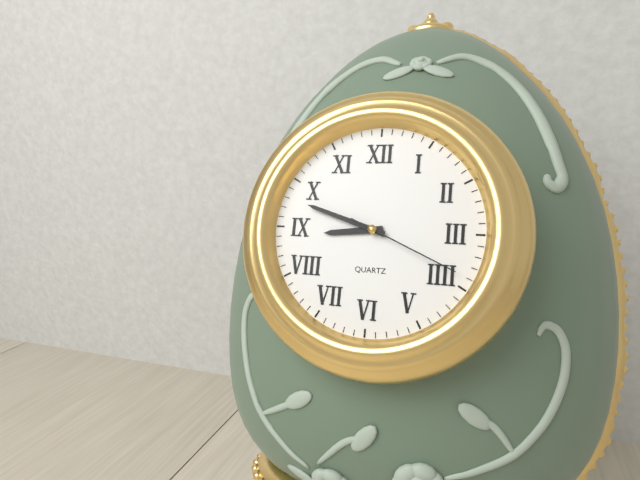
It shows 8,48,19
